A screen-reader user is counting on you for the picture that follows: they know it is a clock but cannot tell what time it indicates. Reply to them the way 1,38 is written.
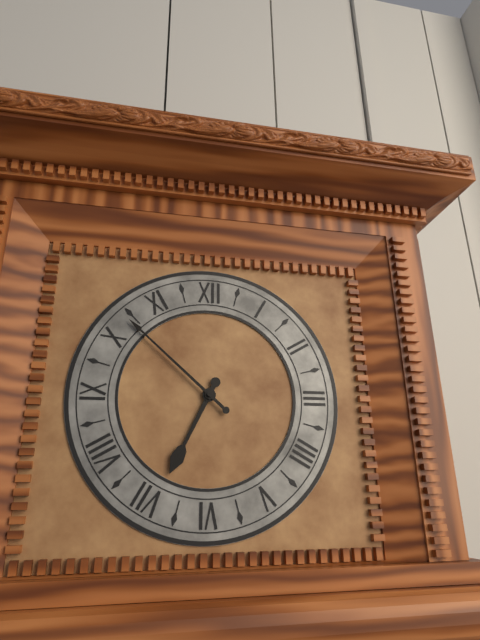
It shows 6,52
